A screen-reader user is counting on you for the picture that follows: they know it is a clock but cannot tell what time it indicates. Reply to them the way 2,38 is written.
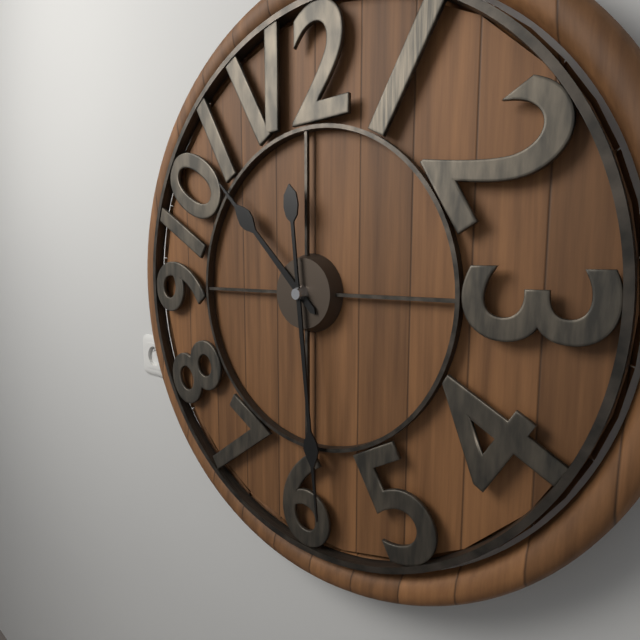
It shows 10,29
